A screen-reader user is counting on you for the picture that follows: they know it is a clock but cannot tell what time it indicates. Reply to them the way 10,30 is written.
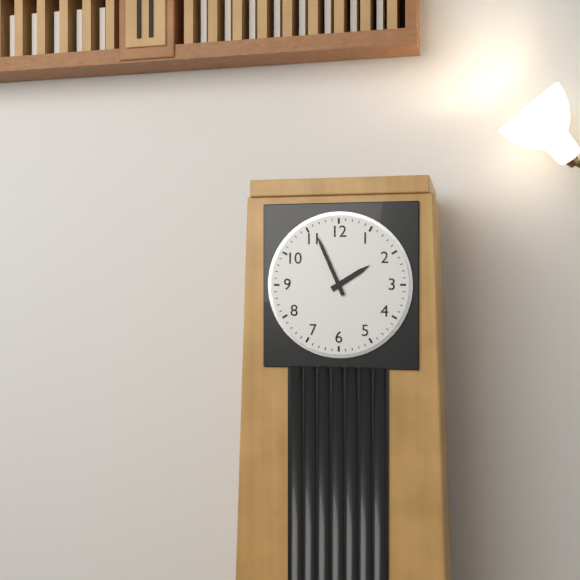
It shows 1,56
